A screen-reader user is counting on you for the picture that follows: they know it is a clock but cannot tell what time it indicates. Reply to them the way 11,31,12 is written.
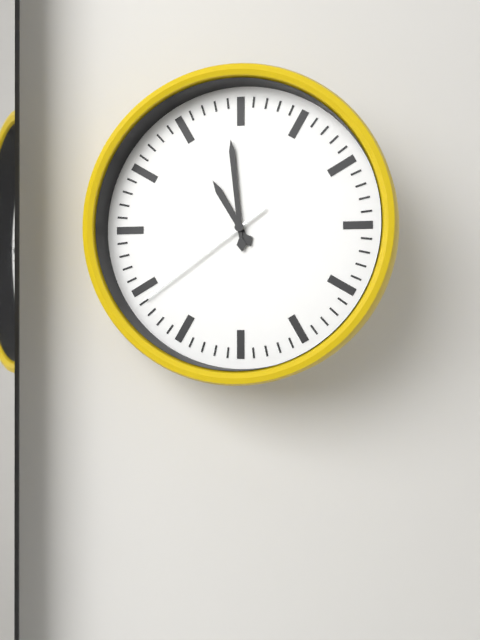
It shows 10,59,39
